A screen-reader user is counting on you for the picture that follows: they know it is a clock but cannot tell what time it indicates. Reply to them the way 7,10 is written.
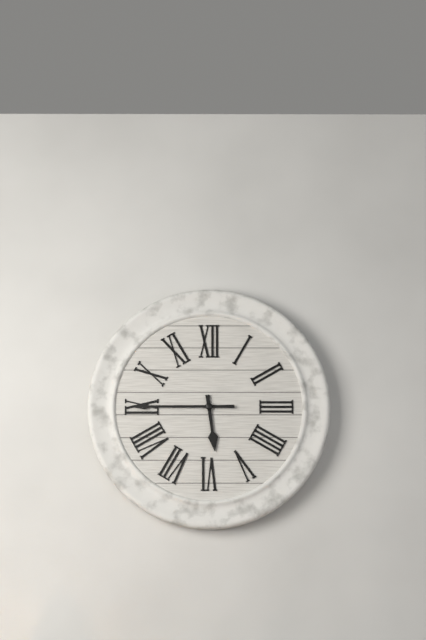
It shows 5,45
